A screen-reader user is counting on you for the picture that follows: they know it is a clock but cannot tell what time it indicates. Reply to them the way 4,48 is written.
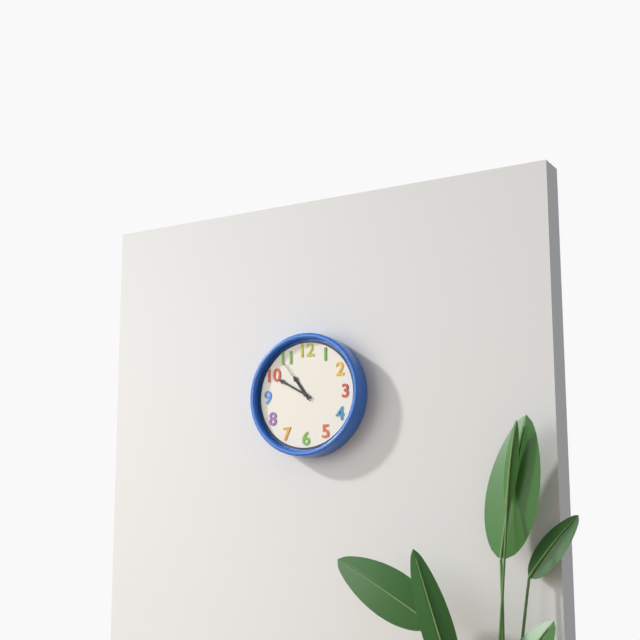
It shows 10,50
